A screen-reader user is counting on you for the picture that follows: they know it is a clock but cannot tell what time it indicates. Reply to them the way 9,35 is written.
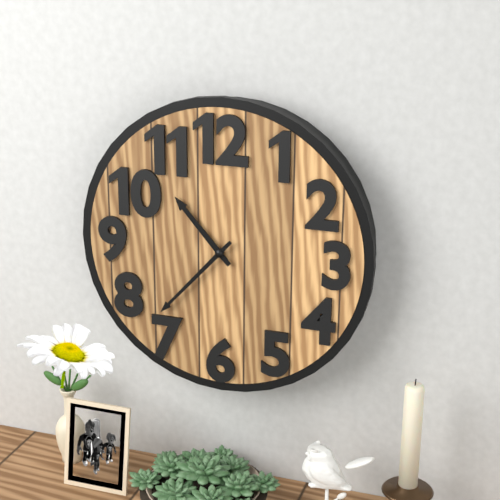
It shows 10,37
